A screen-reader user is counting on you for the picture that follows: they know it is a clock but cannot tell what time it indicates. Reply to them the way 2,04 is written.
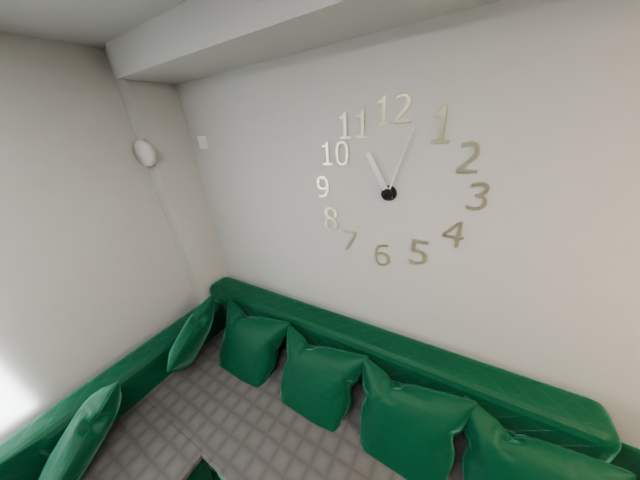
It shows 11,03
